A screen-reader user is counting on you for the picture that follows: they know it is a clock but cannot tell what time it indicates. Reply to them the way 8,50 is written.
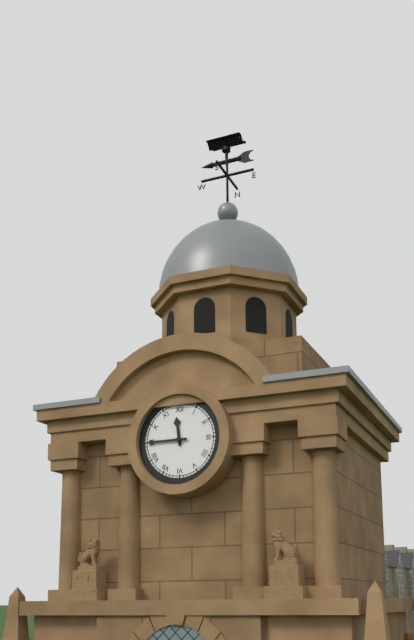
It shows 11,45
